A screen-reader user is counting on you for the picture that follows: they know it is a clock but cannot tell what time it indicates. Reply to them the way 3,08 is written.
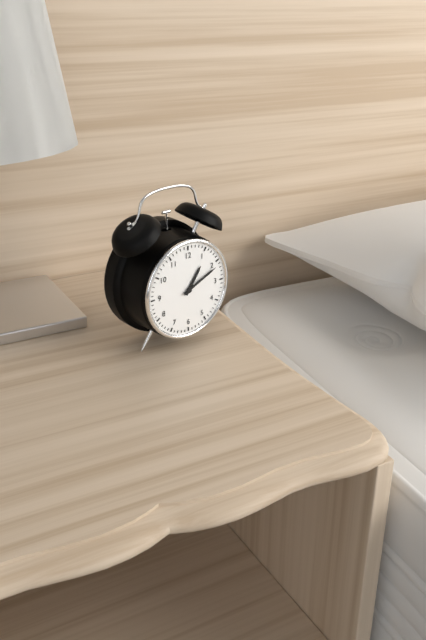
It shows 1,11
